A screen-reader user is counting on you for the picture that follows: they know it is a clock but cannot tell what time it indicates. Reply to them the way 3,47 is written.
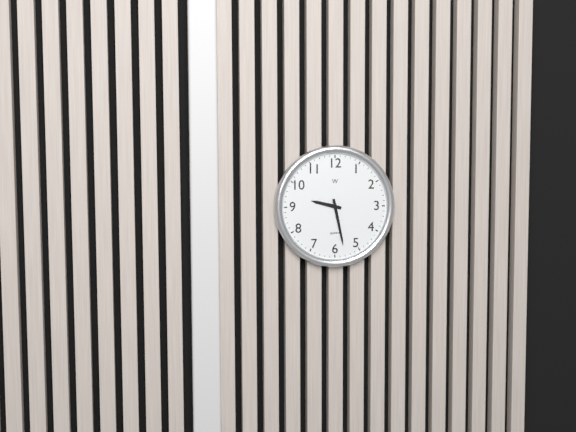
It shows 9,28
